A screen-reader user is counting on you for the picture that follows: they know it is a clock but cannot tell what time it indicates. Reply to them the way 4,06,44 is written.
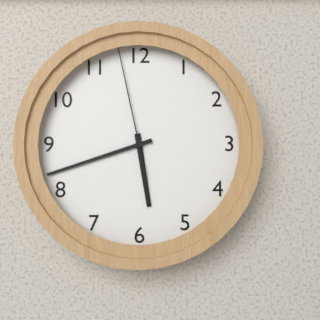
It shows 5,42,58
